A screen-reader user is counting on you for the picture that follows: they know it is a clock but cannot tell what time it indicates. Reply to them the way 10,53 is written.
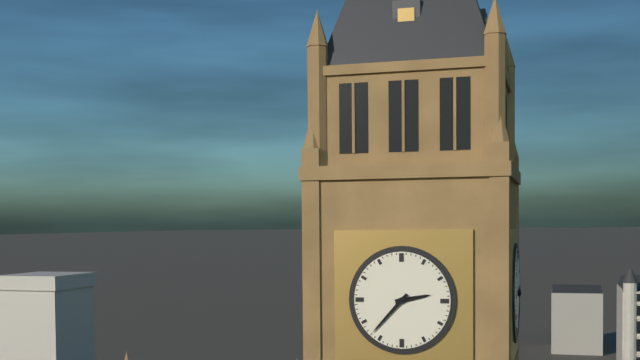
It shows 2,37
